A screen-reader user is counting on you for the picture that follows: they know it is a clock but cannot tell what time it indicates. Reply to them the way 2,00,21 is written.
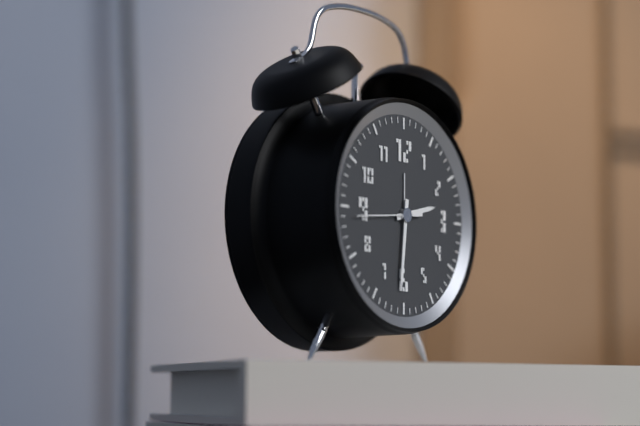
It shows 2,31,44
